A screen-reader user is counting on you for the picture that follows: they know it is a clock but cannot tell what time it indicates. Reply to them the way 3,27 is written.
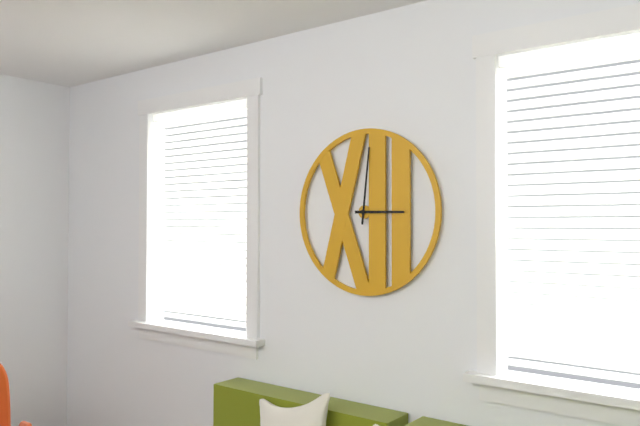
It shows 3,01
